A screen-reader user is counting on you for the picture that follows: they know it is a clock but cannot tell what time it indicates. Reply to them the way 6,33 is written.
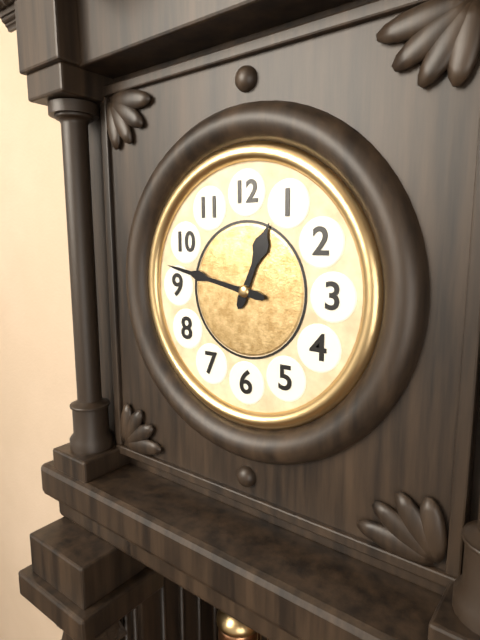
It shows 12,47
